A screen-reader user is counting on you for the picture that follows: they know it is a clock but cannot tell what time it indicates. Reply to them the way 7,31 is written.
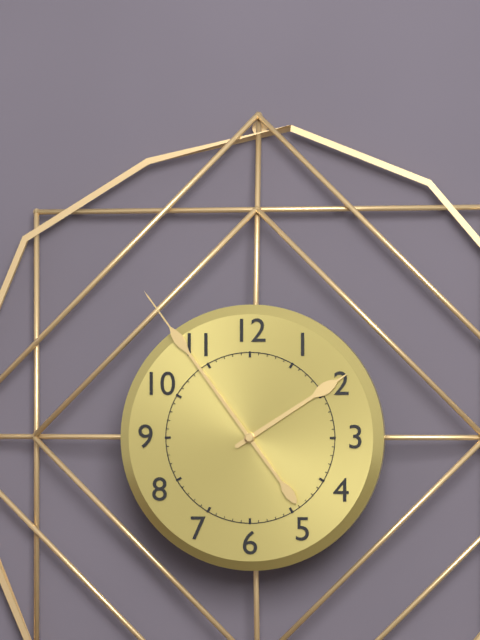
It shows 1,54
